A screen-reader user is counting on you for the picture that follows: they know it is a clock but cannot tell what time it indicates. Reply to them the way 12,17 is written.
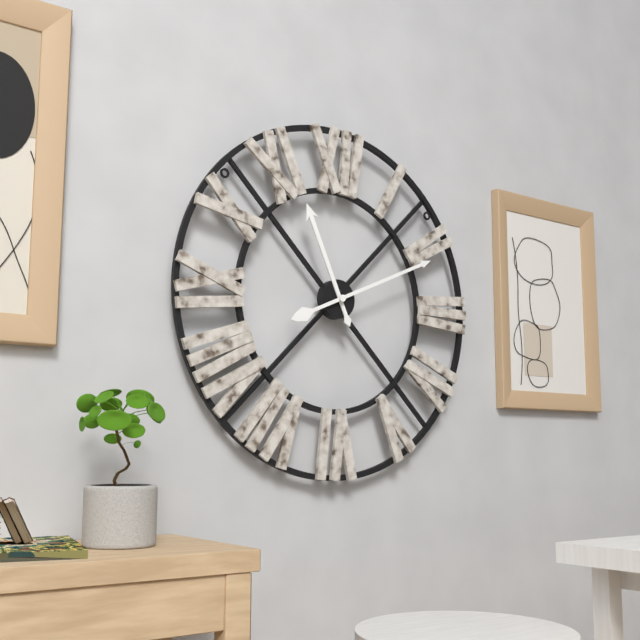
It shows 11,11
